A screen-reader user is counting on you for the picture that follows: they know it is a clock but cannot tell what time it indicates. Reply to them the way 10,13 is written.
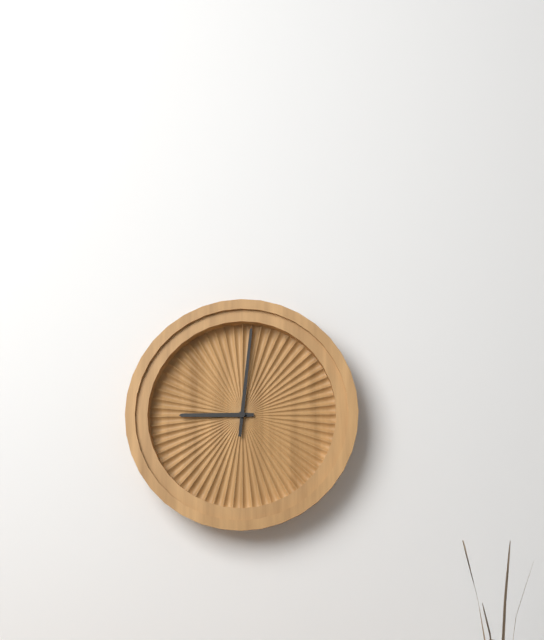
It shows 9,01
